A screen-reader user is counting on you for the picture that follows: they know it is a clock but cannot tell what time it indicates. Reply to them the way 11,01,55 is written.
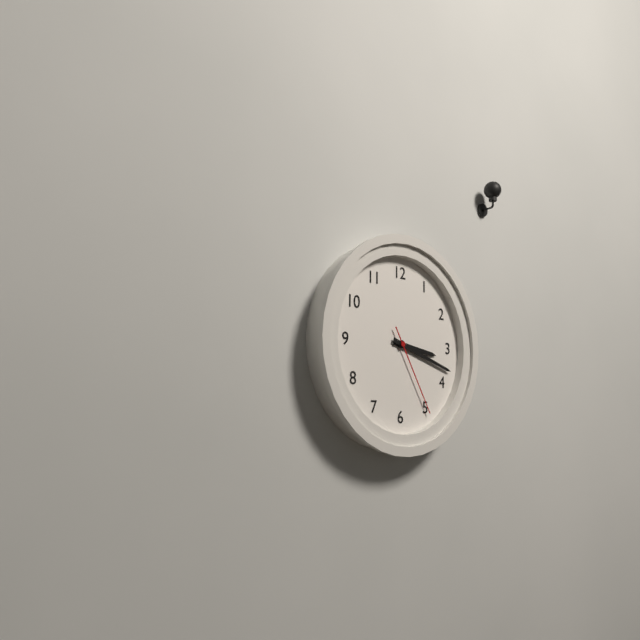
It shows 3,18,25
